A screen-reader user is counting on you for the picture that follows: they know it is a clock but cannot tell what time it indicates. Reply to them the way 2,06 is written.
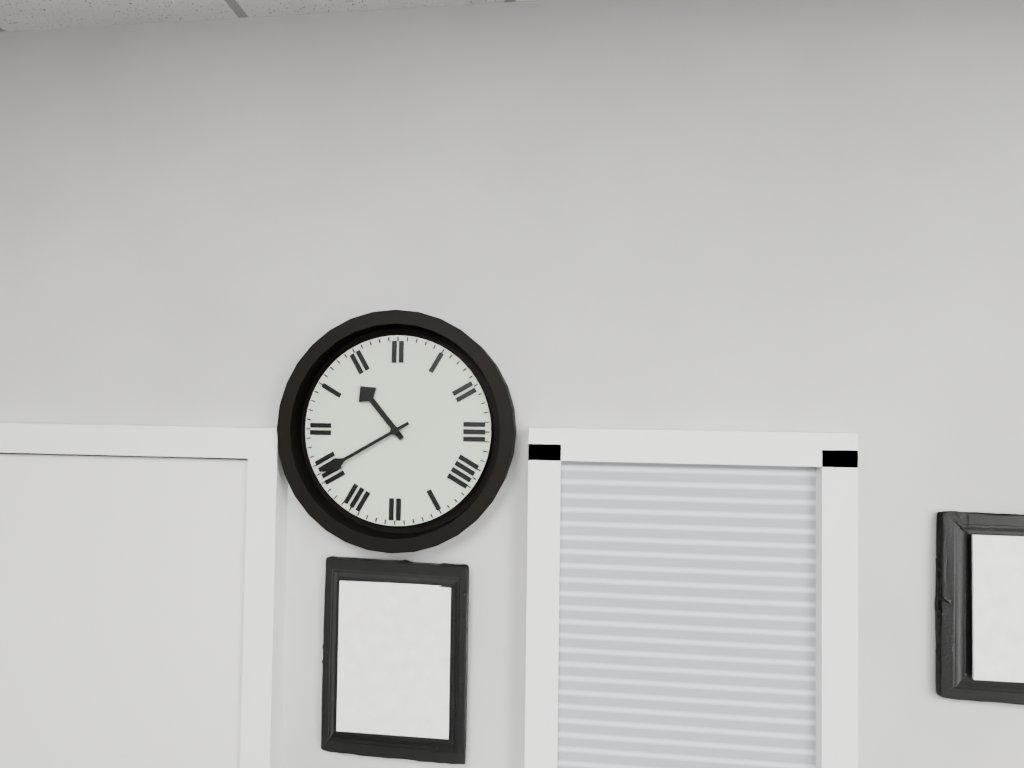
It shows 10,40
